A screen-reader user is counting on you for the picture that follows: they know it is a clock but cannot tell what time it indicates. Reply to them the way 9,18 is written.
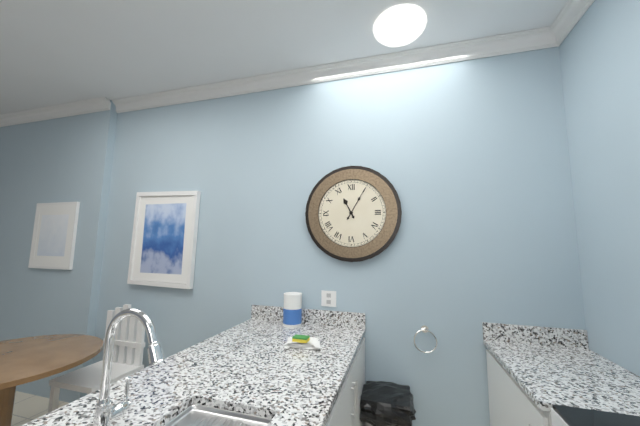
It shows 11,05
